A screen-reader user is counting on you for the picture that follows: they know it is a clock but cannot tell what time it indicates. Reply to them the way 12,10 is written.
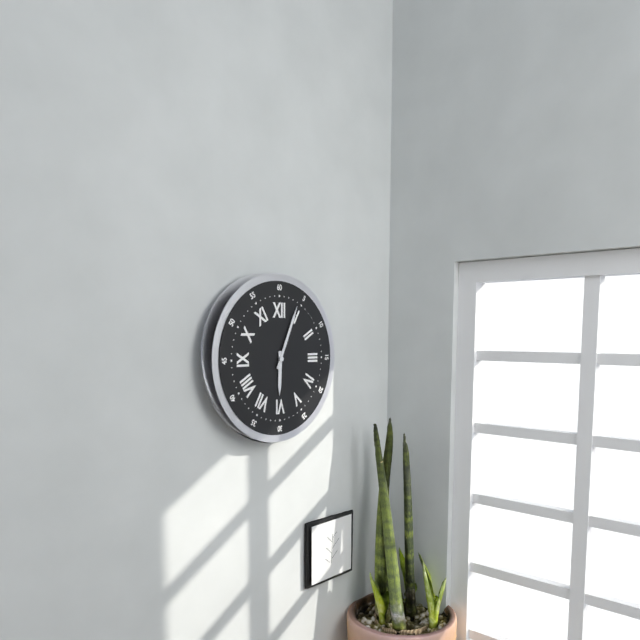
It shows 6,04
